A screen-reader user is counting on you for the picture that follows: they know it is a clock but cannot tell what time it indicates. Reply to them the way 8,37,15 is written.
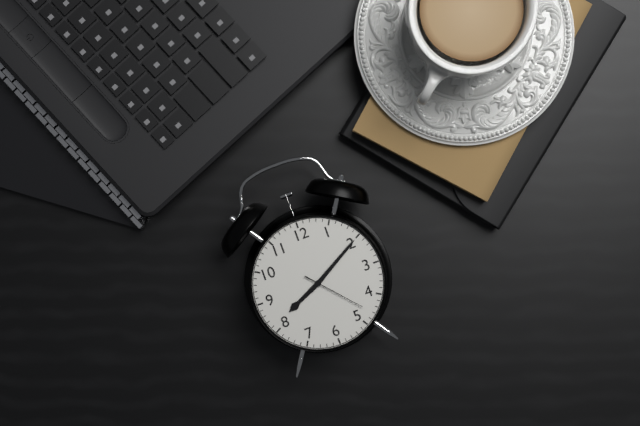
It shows 8,10,23
